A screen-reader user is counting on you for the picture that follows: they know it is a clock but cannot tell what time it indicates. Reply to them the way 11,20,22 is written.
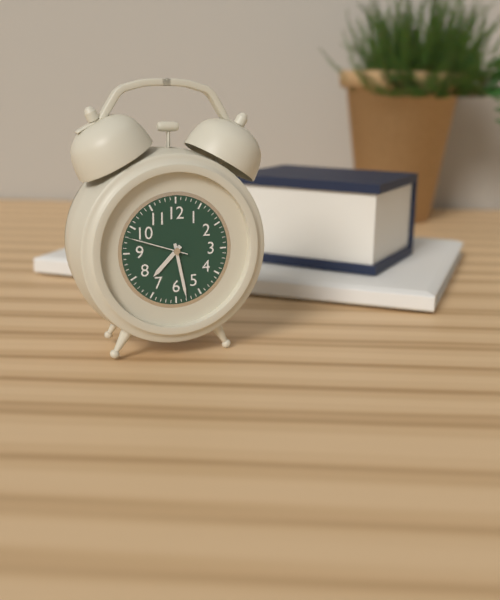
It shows 7,28,48
